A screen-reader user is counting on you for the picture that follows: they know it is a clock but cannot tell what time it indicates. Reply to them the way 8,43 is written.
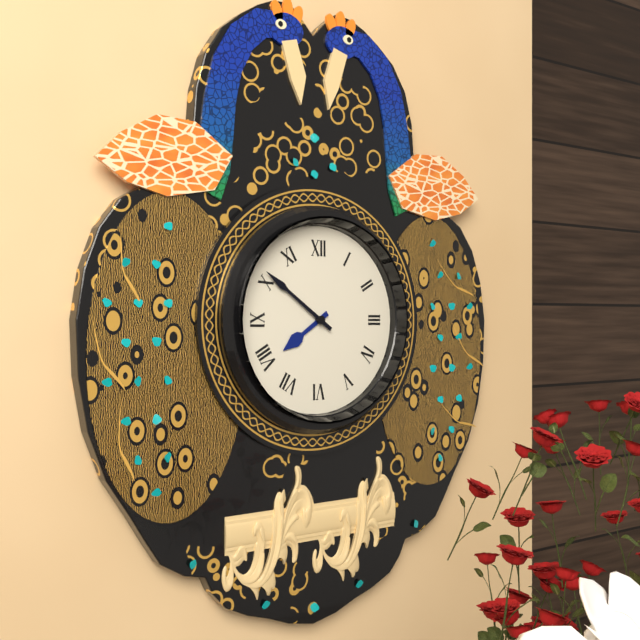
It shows 7,51
